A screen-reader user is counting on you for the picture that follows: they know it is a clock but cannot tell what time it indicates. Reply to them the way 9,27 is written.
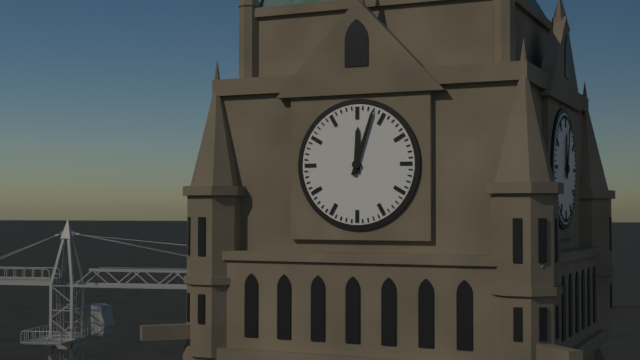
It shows 12,03
